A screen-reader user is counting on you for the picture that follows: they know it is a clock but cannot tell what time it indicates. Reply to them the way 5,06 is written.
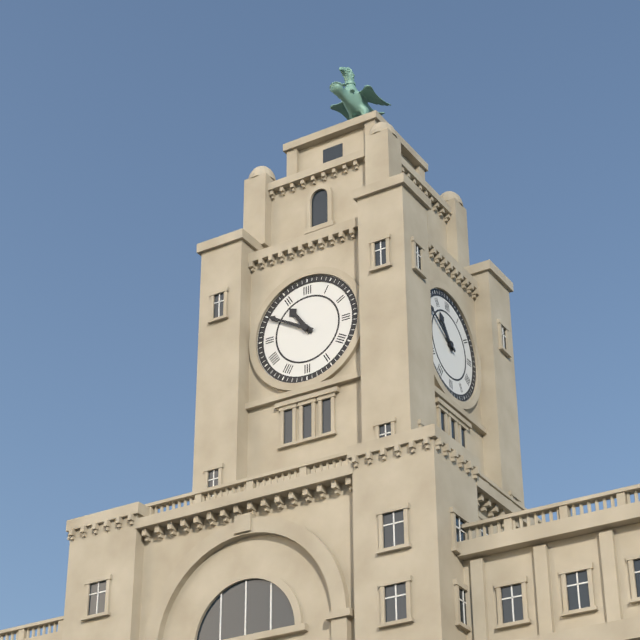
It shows 10,50
